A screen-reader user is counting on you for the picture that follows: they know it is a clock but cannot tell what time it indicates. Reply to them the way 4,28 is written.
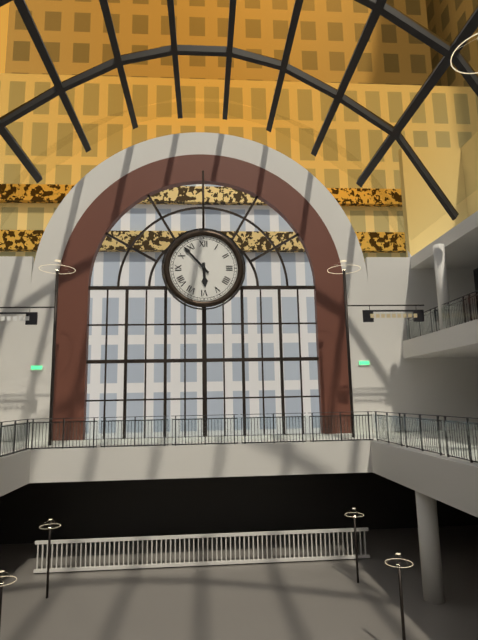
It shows 5,53
